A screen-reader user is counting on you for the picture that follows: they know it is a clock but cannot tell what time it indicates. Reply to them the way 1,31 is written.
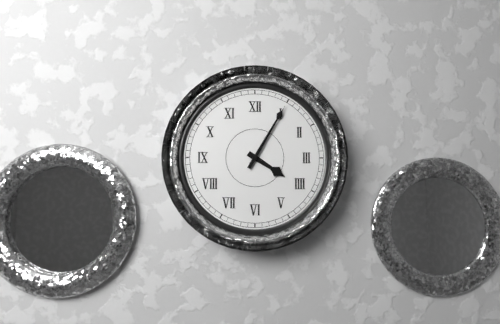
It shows 4,05
